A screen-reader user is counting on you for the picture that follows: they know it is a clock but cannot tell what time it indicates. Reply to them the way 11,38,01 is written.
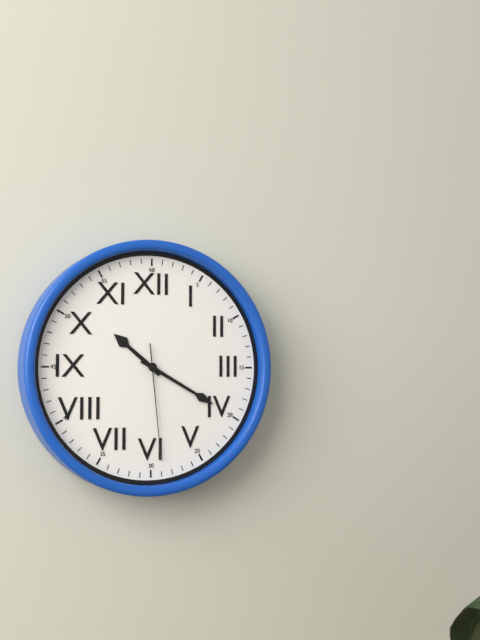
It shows 10,20,29
